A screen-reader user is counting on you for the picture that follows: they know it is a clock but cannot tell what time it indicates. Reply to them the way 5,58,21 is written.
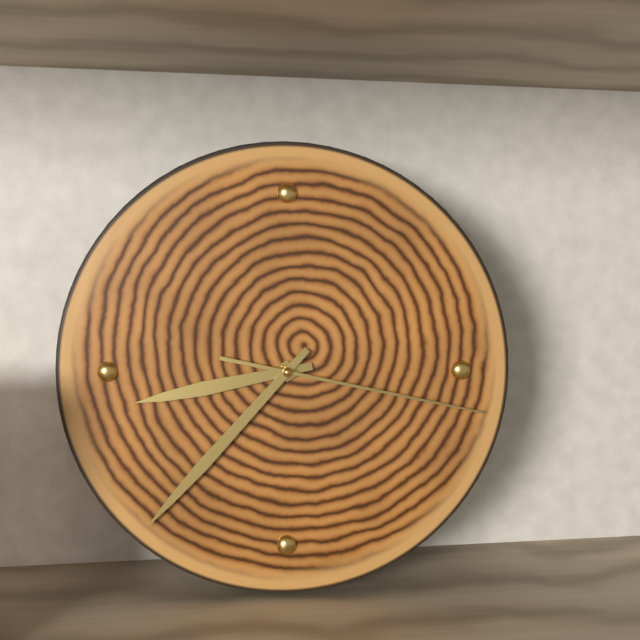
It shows 8,37,17
